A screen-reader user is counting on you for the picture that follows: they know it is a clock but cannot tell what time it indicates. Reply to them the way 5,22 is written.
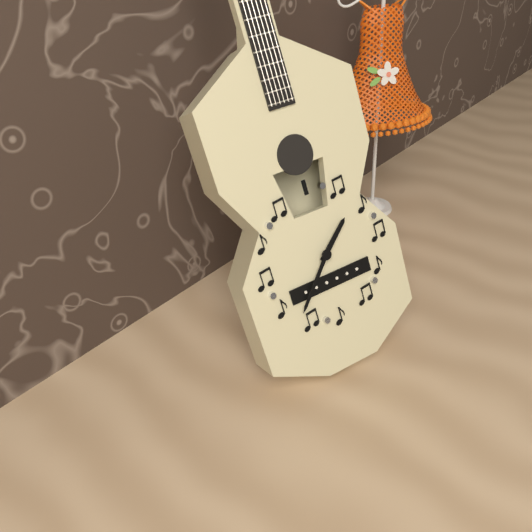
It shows 1,37
